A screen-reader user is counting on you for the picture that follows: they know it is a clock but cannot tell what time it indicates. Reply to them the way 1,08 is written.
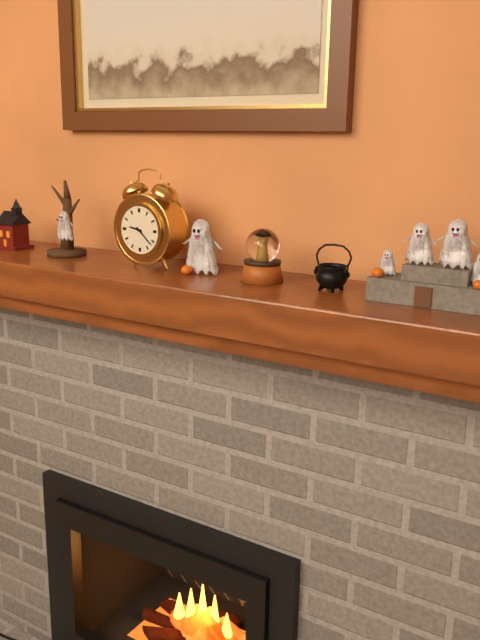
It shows 9,22
